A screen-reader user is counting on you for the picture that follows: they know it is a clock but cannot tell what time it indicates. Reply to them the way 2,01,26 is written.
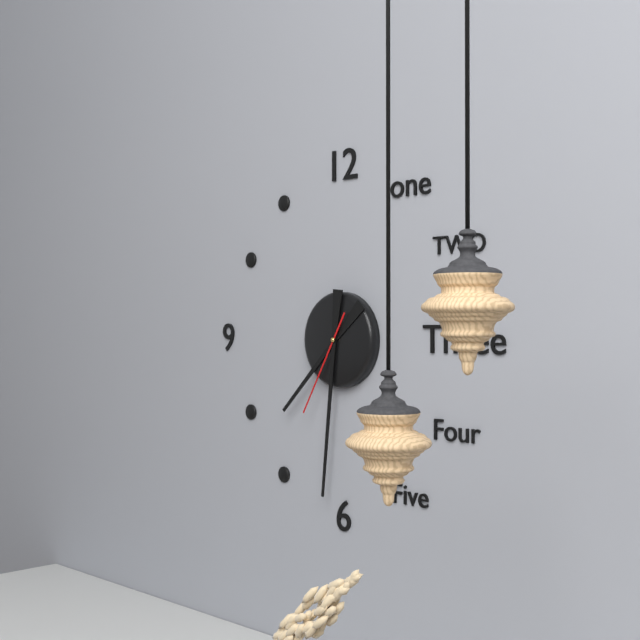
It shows 7,31,35
